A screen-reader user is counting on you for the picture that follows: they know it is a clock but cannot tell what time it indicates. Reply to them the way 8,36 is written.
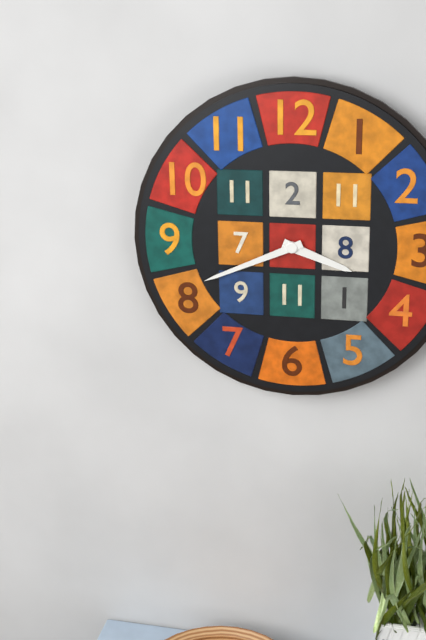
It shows 3,41
